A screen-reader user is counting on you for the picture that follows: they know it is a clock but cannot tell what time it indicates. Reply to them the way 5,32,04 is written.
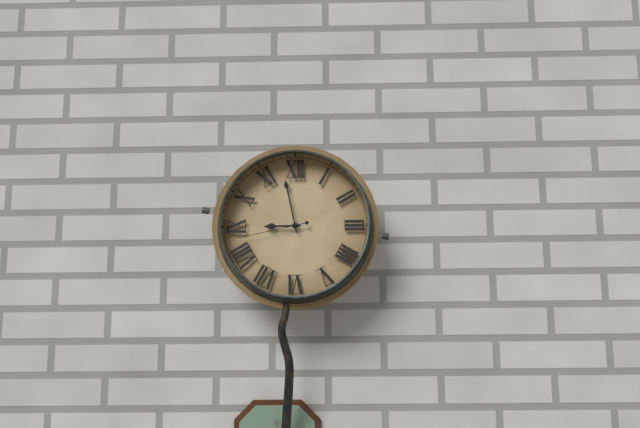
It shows 8,58,43
